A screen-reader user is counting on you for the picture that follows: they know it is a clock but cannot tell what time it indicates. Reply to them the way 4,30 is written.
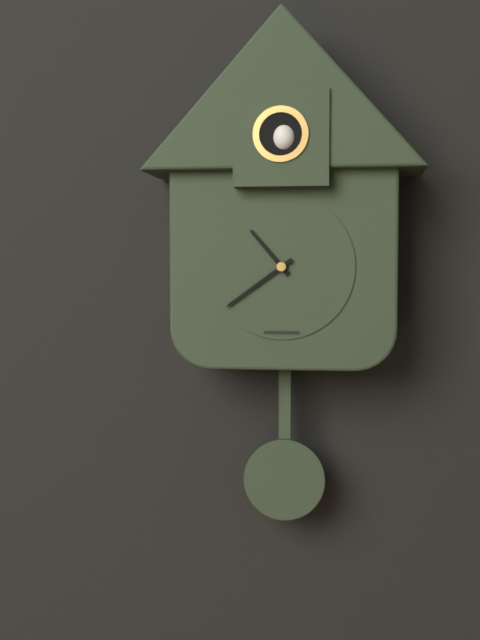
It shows 10,39
